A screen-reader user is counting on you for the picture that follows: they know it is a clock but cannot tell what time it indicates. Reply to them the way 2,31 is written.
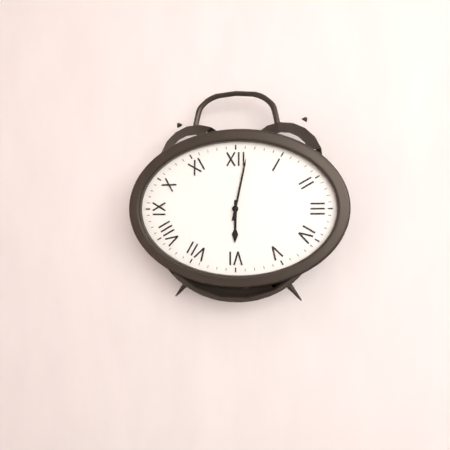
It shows 6,02
